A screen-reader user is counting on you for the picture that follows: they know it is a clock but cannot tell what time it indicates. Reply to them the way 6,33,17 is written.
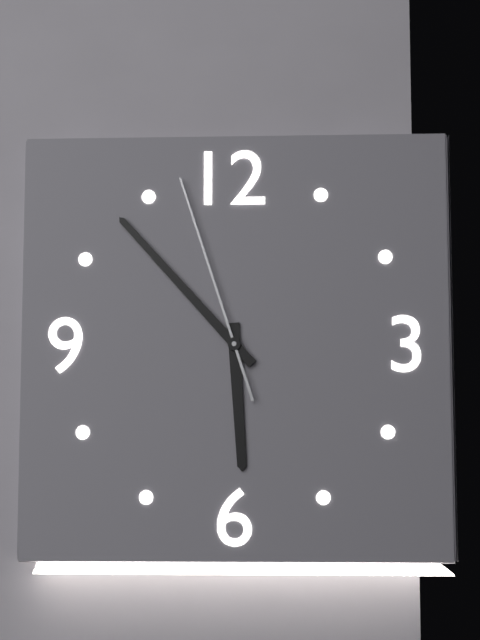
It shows 5,53,57
